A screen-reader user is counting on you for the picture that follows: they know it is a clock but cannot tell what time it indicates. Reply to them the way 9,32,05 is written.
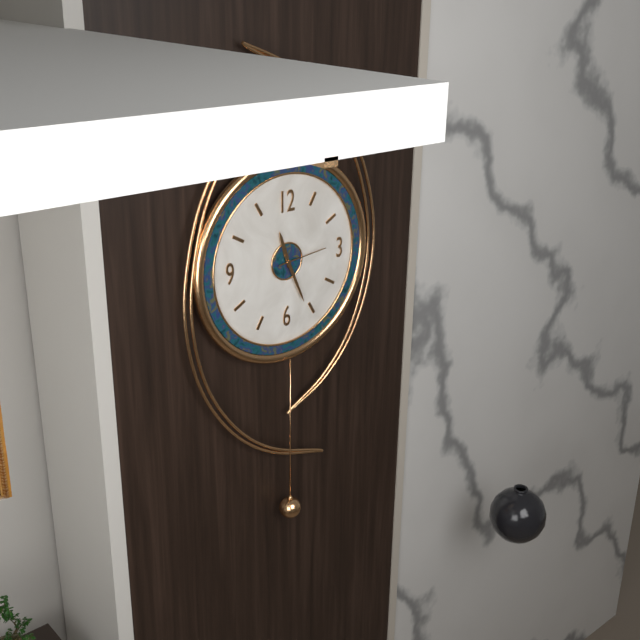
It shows 11,26,14
